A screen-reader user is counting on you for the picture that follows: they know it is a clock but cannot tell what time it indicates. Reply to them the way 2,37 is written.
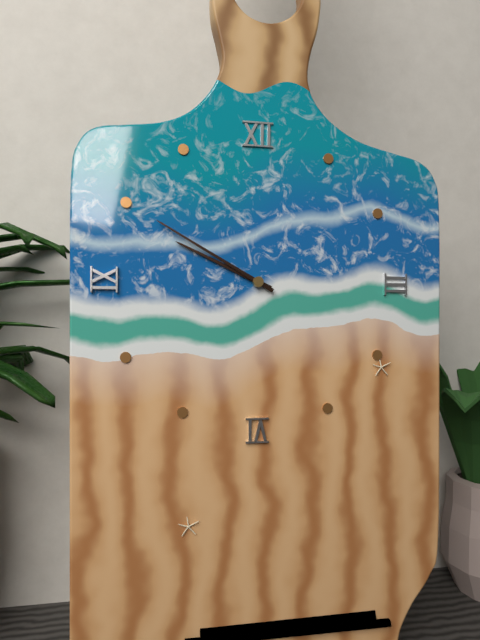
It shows 9,50
